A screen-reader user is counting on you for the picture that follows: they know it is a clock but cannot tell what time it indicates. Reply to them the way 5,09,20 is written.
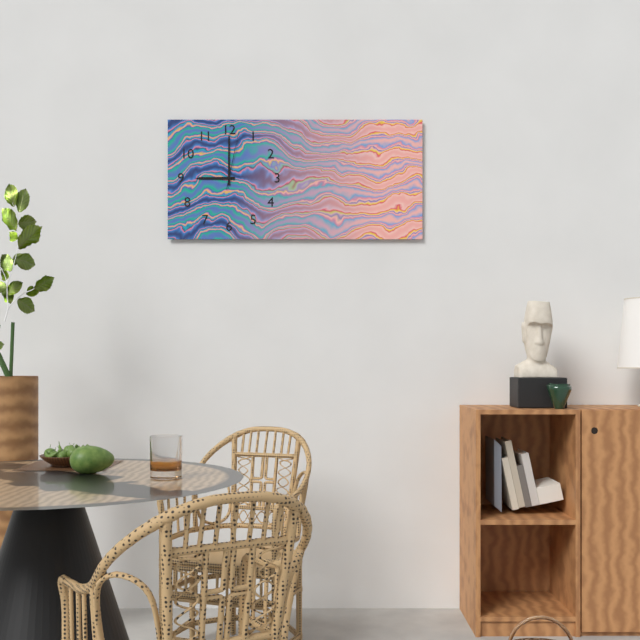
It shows 9,00,02
